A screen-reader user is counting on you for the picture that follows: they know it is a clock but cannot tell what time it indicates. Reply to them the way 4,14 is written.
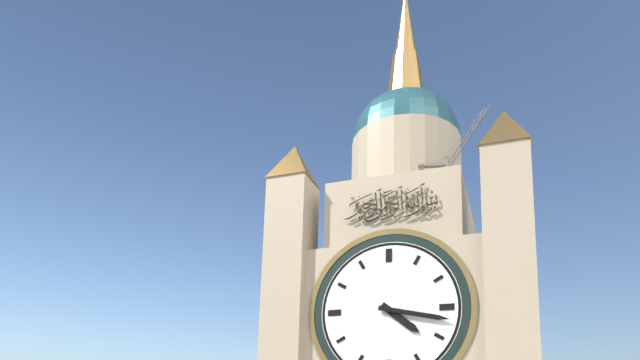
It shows 4,17
